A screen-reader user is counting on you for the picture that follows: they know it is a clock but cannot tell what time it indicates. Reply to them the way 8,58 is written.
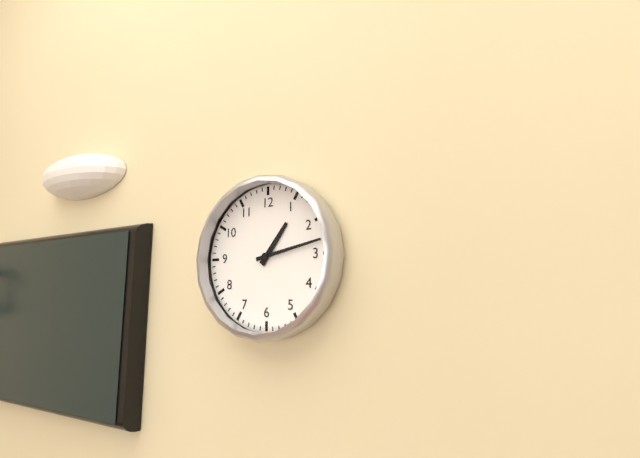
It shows 1,13
